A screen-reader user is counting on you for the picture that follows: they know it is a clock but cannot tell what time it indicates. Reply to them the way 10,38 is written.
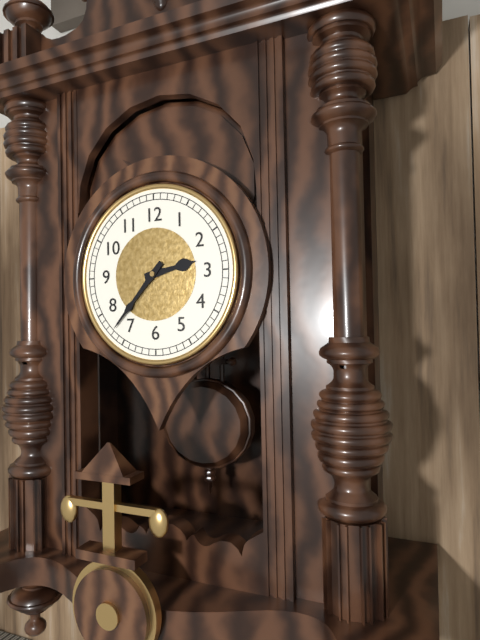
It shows 2,37
